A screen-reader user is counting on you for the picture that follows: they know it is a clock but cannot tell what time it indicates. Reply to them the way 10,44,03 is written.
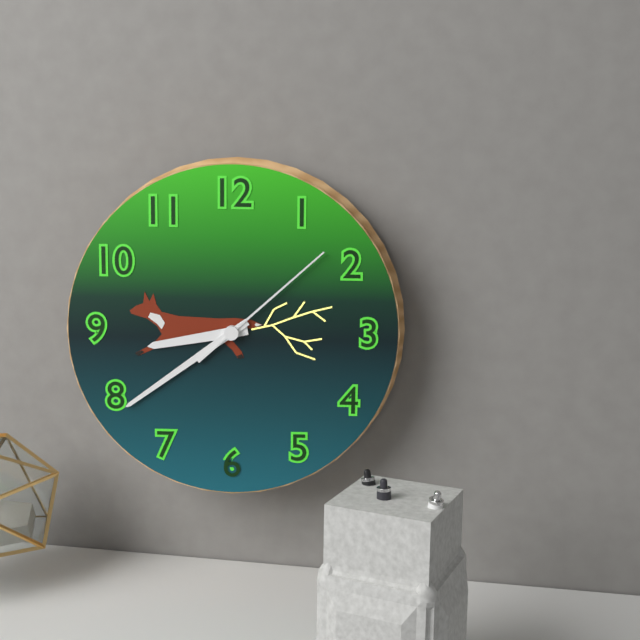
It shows 8,39,08
